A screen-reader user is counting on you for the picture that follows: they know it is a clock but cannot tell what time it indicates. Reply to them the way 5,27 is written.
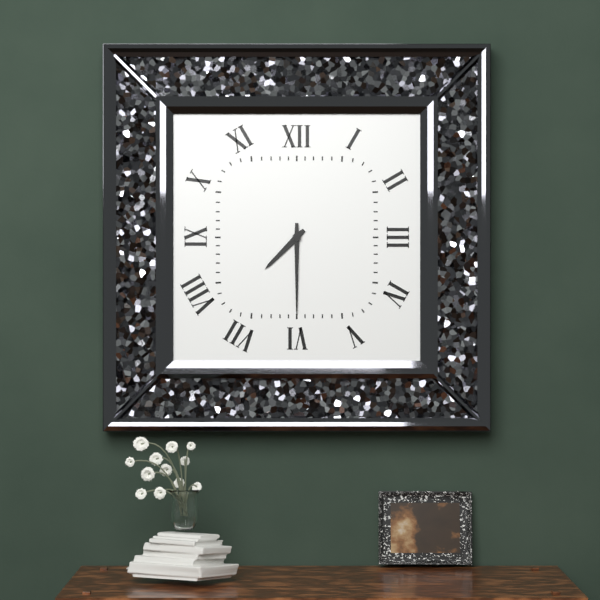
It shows 7,30
